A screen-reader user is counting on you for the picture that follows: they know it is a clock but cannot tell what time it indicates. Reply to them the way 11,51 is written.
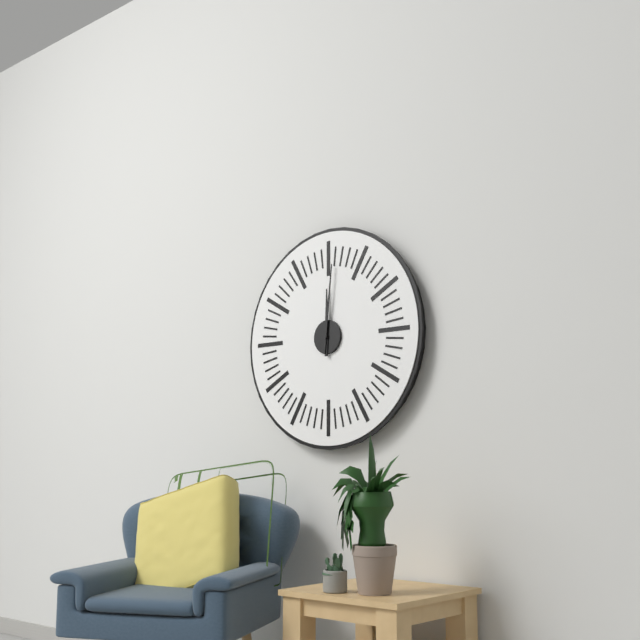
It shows 12,01
